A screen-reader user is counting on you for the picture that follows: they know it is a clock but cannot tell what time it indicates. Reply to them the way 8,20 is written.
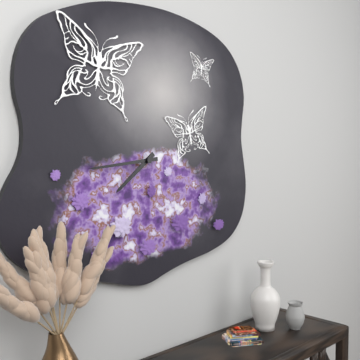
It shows 7,44
